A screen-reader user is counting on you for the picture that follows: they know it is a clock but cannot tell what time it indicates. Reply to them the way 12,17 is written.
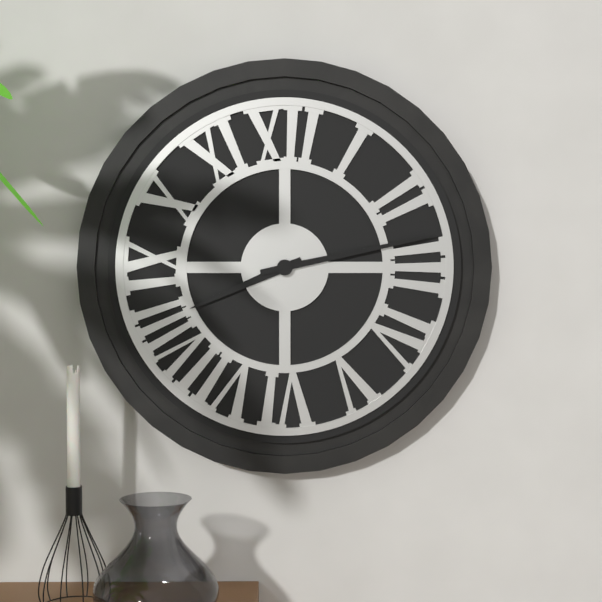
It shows 8,13
